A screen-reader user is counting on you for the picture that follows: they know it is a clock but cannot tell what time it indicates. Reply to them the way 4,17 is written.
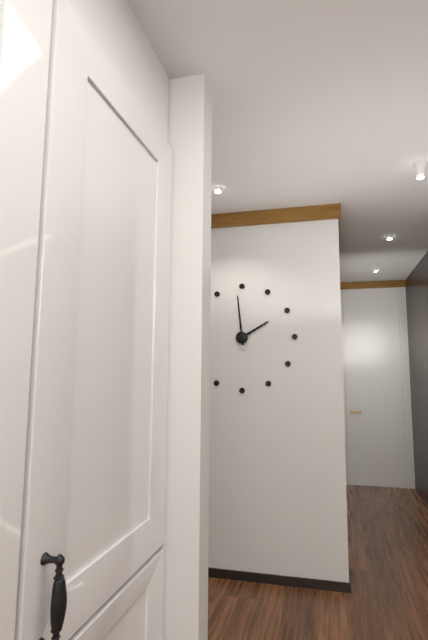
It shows 1,59
